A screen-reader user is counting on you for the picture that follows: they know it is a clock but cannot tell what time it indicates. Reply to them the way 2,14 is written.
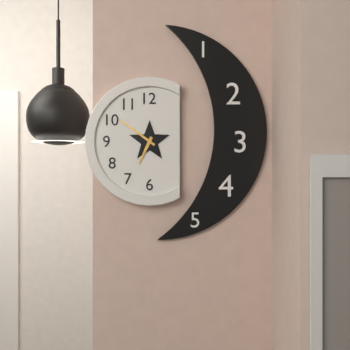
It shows 6,51
